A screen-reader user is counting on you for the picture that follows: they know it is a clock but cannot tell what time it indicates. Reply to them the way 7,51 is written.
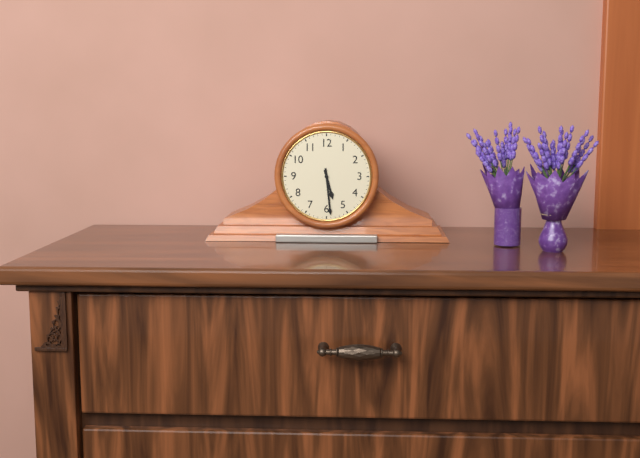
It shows 5,29
